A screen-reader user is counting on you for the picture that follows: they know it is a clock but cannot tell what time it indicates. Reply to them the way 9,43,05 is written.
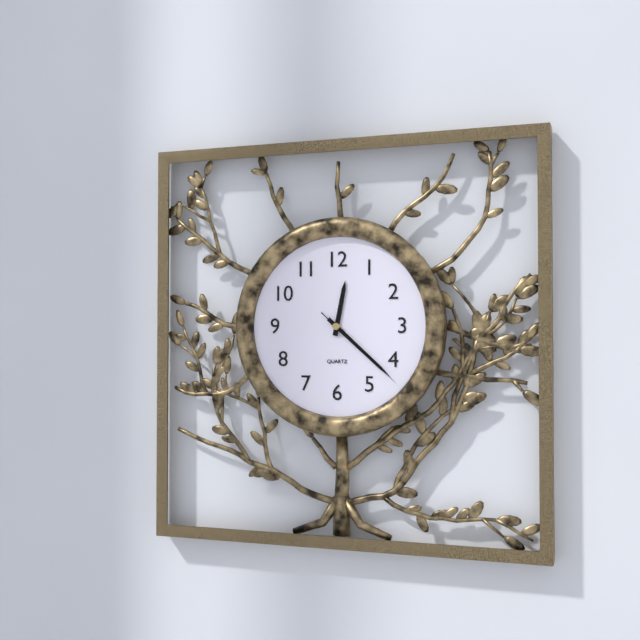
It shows 12,22,22
